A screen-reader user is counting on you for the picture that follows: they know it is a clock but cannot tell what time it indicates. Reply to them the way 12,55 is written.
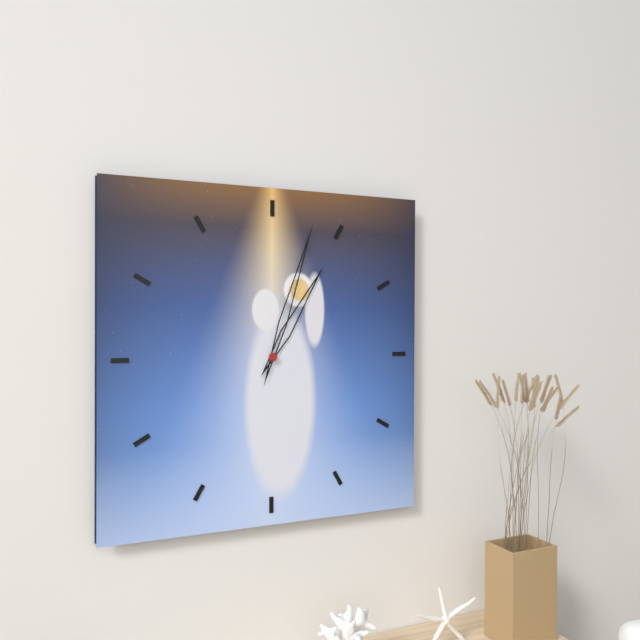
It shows 1,03
